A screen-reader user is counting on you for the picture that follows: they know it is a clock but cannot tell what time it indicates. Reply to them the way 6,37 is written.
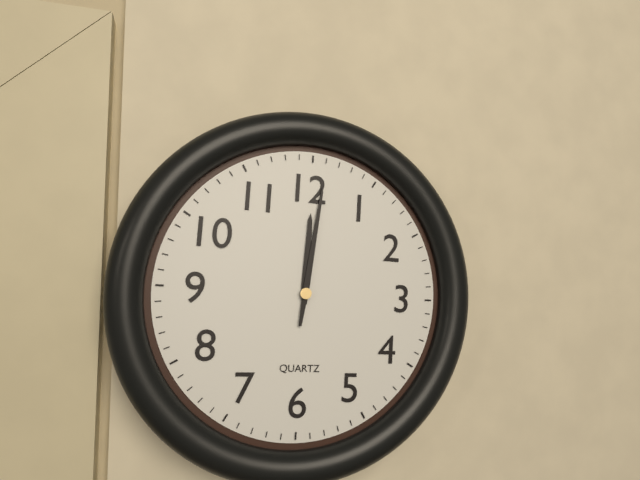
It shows 12,01
